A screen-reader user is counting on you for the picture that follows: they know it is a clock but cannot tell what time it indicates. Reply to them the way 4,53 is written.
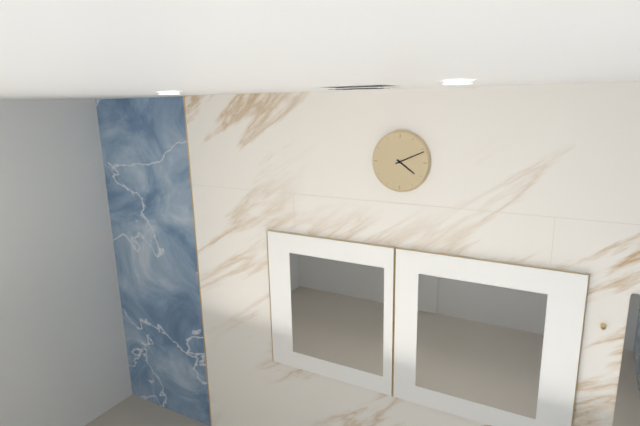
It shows 4,11
